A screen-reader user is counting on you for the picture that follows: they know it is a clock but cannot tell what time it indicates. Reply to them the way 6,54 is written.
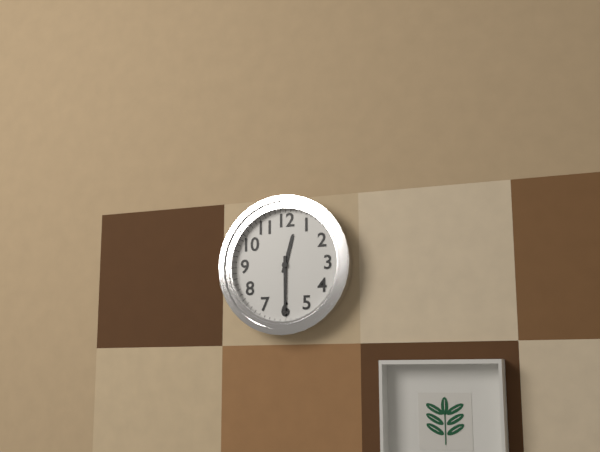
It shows 12,30
